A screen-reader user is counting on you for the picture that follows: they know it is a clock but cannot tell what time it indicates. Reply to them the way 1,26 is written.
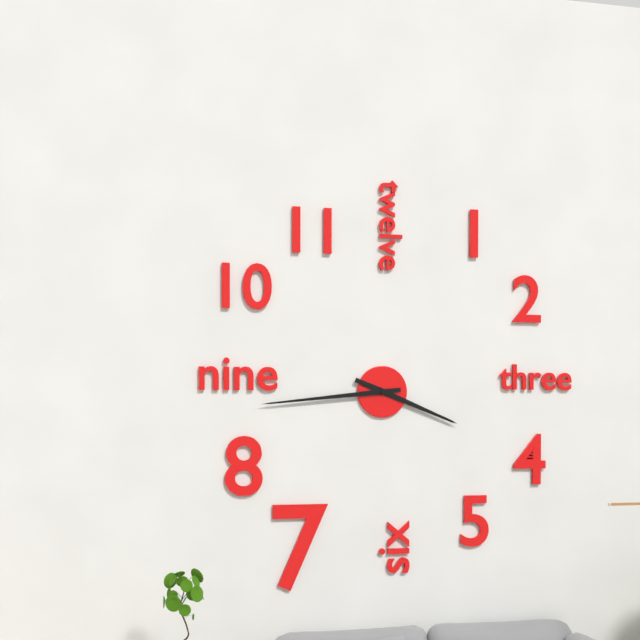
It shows 3,44
